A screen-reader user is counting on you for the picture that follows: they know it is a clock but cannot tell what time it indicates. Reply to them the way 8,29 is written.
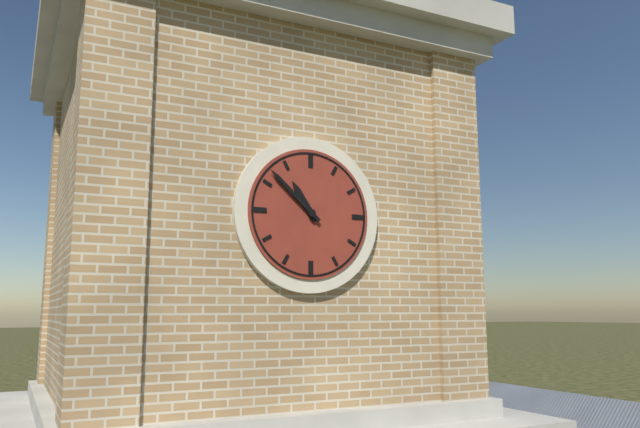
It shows 10,52
